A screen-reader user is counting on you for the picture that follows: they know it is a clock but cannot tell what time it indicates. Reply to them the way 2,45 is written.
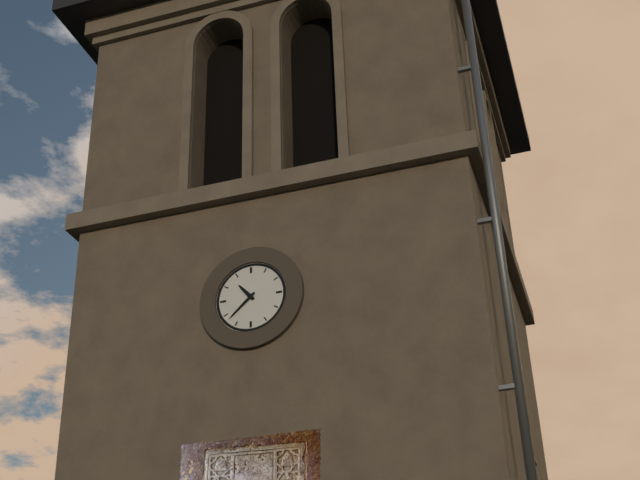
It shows 10,38
